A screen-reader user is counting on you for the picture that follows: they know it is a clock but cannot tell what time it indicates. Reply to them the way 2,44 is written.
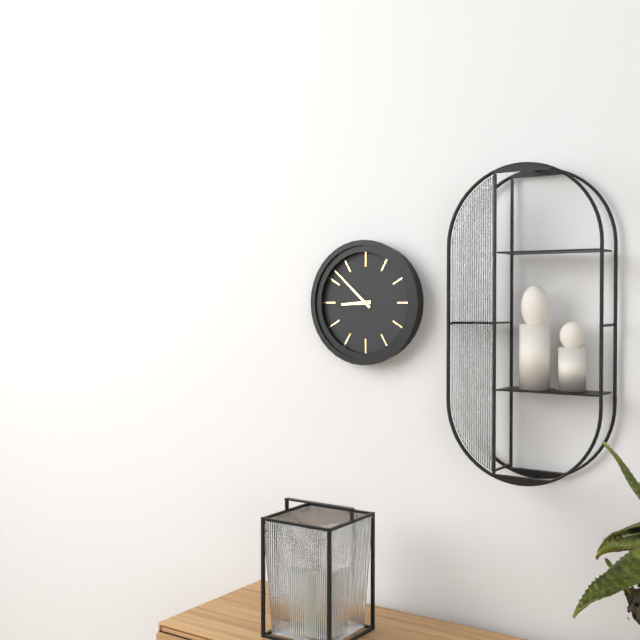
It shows 8,52
